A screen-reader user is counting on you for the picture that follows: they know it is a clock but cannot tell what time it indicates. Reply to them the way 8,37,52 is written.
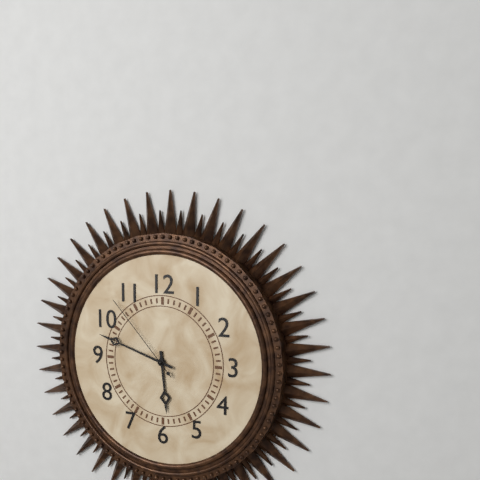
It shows 5,48,53
